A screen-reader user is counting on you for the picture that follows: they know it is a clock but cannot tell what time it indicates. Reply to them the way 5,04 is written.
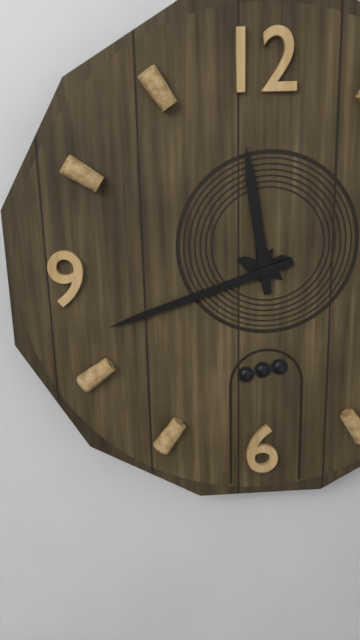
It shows 11,42
